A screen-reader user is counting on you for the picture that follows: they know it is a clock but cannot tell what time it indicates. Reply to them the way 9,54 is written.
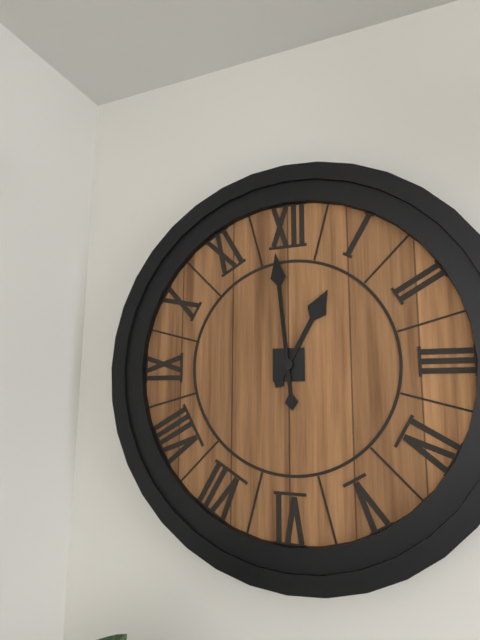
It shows 12,59
